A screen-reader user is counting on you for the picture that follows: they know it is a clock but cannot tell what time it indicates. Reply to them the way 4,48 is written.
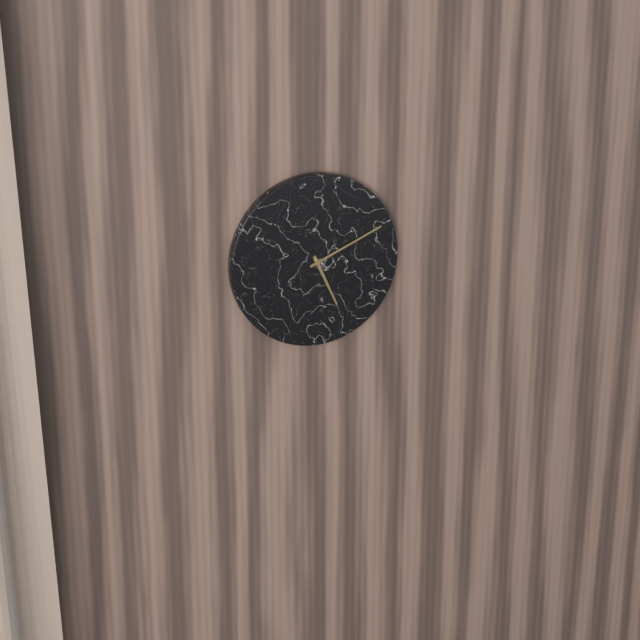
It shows 5,11
